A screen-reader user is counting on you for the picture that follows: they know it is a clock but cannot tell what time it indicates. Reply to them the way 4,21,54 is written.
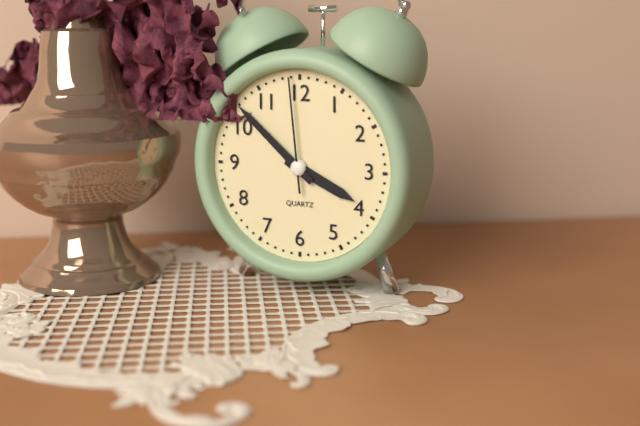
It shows 3,52,59
